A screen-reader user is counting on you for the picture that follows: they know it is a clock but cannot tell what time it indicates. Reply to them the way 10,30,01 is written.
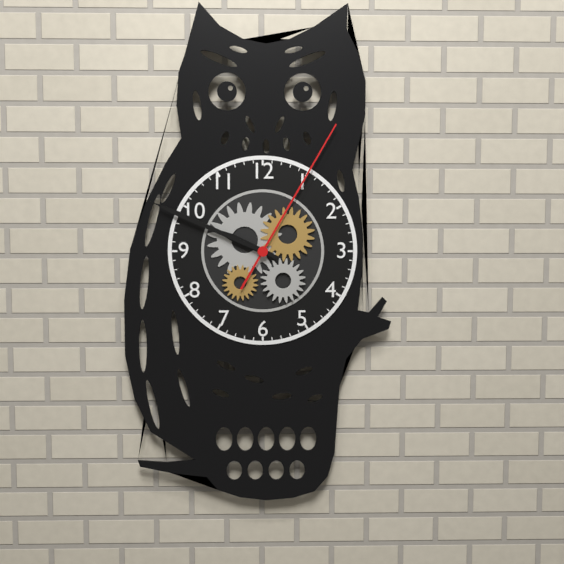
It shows 9,49,05
